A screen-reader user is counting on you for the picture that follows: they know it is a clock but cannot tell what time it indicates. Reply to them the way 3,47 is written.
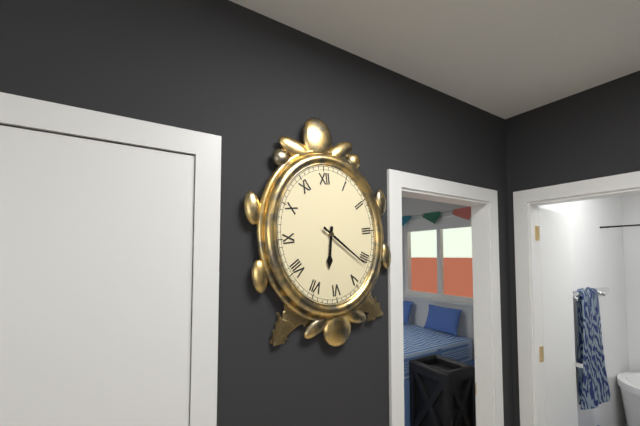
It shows 6,22
